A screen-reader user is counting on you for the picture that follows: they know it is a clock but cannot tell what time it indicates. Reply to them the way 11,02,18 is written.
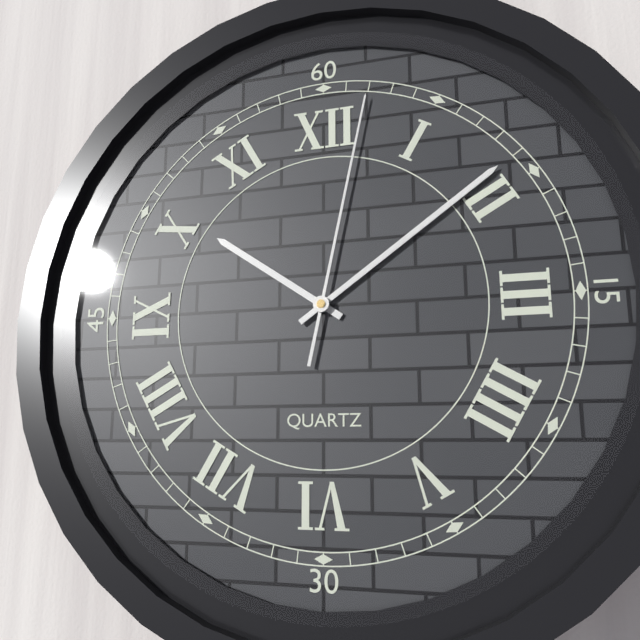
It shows 10,09,02
